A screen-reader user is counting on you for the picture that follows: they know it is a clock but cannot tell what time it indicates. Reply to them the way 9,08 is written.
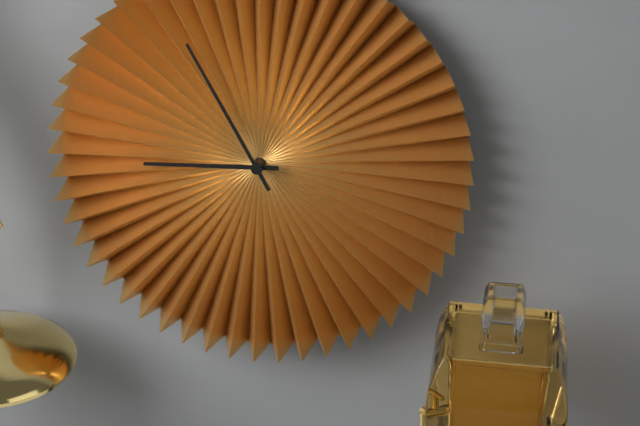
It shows 8,55
